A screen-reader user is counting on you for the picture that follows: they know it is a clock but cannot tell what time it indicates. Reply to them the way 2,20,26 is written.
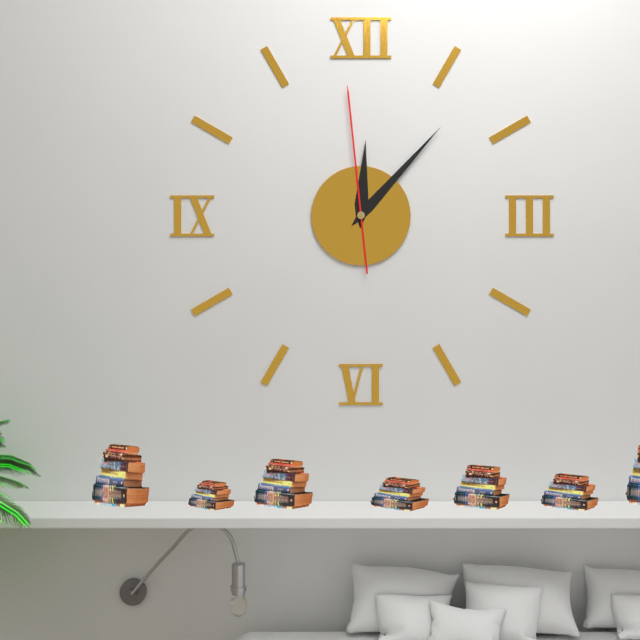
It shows 12,07,59
